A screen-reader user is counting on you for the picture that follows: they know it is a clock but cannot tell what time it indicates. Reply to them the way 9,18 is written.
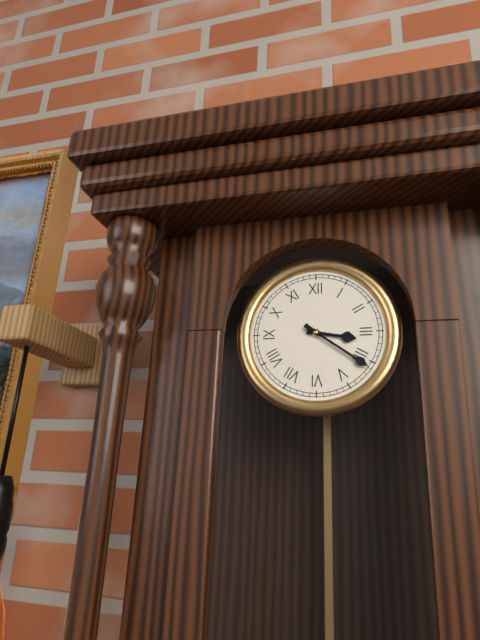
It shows 3,21
